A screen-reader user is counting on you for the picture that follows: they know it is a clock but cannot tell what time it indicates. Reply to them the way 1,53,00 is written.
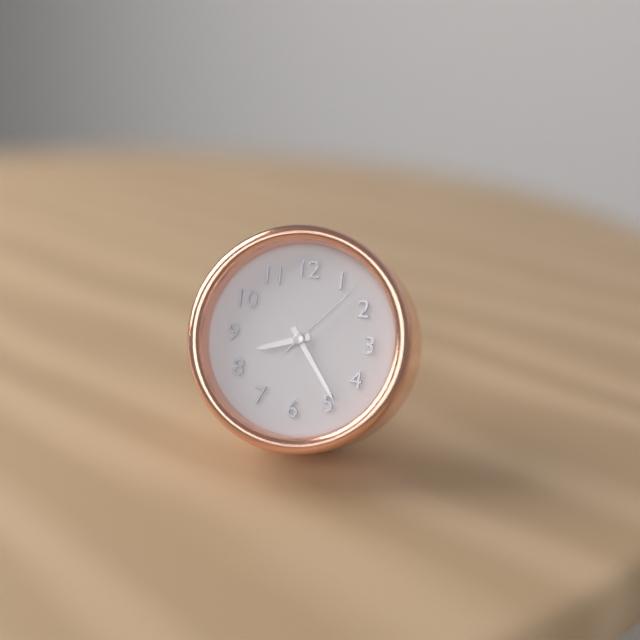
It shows 8,24,07
